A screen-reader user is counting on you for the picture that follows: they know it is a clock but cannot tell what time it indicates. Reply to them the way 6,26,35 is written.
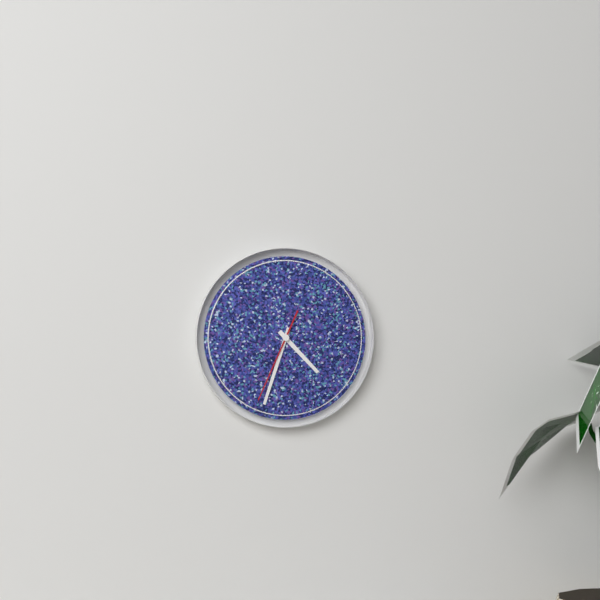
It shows 4,33,34
